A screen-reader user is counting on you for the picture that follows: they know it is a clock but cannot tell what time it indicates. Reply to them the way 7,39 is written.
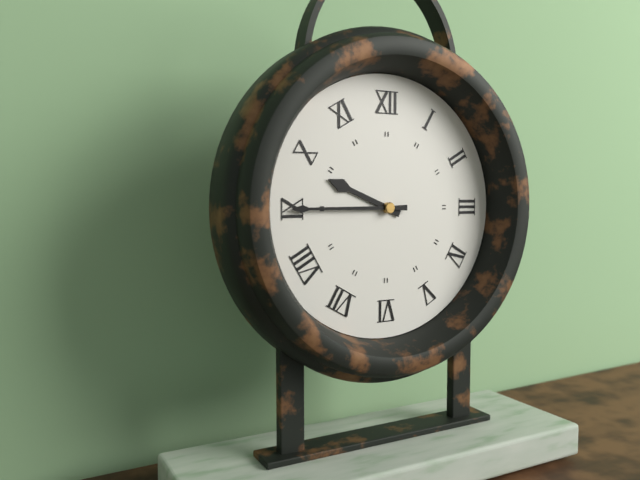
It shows 9,45
